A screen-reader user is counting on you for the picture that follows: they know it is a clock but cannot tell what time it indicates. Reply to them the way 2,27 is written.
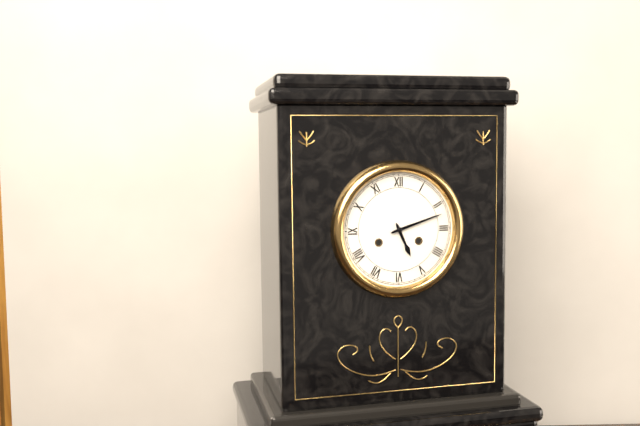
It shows 5,12
